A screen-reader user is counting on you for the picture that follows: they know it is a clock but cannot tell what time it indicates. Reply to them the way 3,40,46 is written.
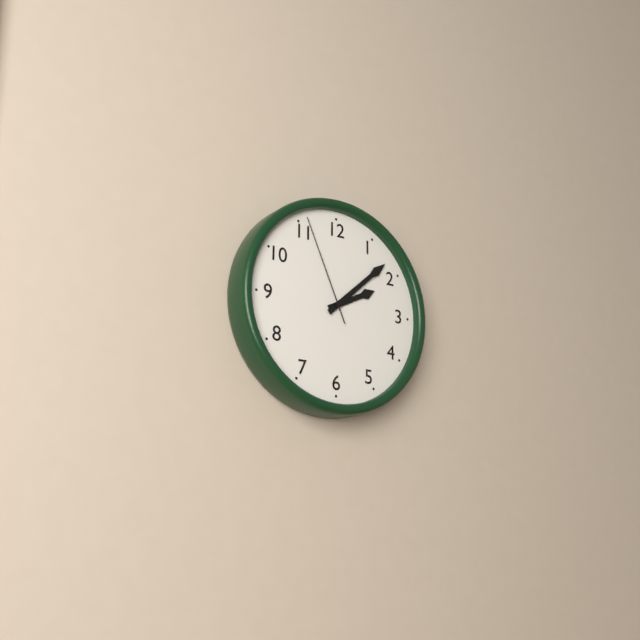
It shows 2,08,56
